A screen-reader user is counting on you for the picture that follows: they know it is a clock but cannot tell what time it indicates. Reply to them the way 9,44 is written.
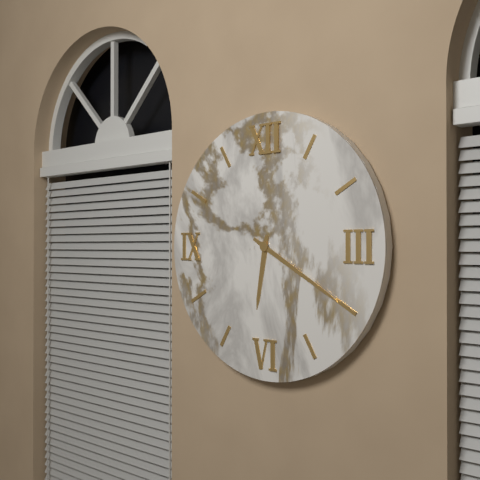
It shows 6,20
